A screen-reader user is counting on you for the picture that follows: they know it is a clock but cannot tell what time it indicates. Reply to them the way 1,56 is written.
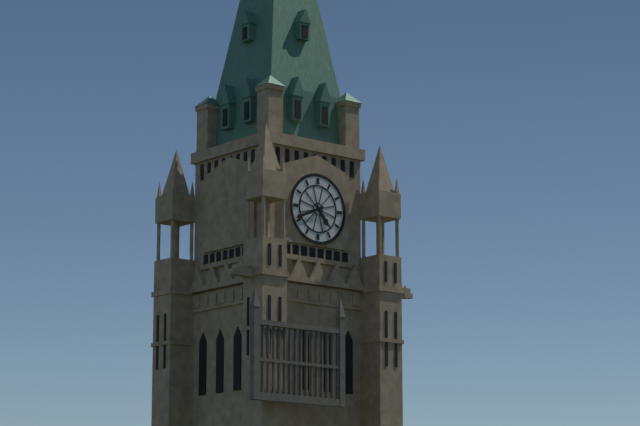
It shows 4,41
